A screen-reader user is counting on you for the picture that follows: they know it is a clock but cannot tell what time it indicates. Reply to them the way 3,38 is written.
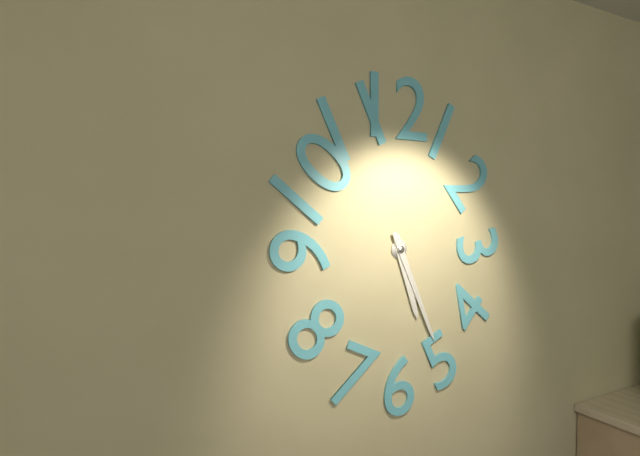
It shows 5,26
